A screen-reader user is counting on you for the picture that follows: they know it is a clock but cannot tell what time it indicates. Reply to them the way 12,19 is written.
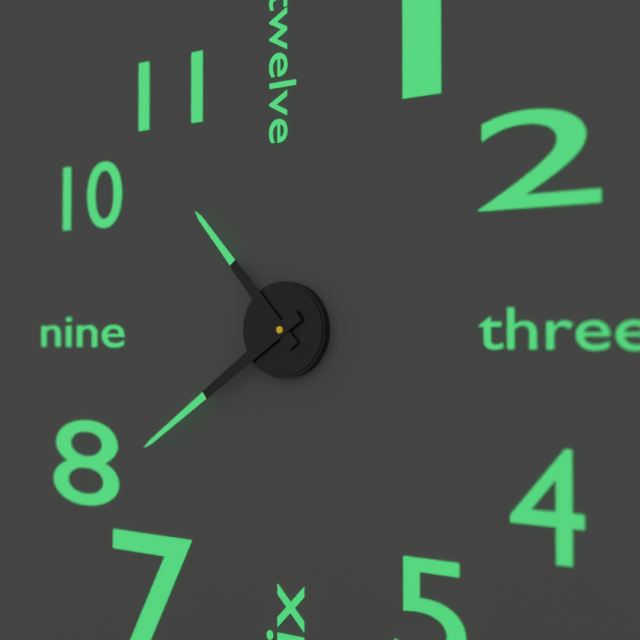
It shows 10,39
